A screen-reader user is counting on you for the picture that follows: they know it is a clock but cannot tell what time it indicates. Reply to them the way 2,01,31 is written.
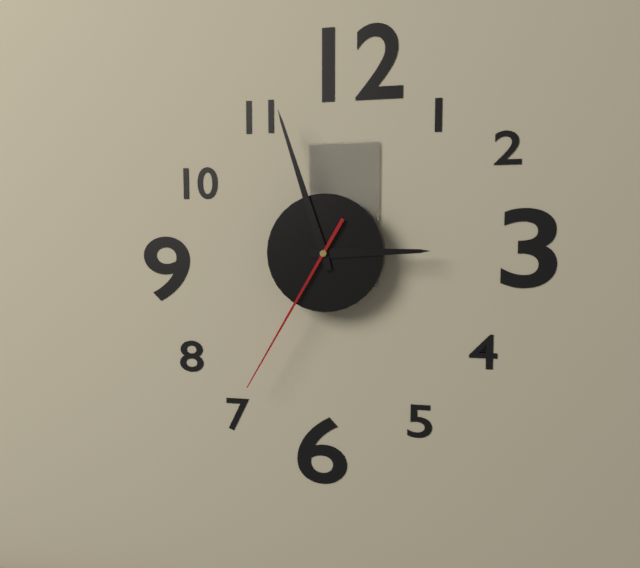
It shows 2,57,35
